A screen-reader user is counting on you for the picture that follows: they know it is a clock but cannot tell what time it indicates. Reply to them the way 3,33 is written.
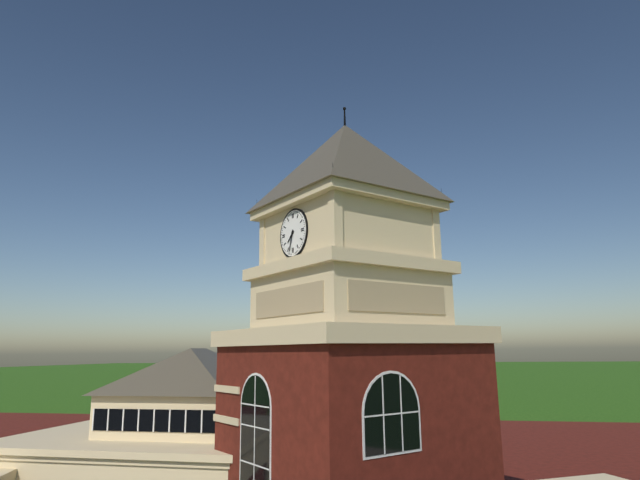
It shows 7,33
